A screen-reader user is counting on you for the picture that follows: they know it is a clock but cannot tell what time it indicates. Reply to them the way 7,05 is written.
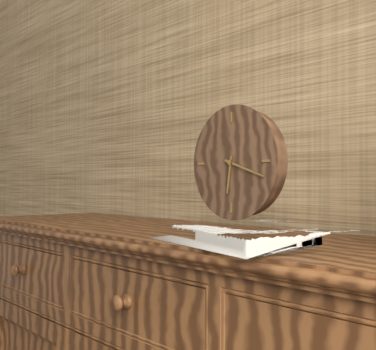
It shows 6,18
